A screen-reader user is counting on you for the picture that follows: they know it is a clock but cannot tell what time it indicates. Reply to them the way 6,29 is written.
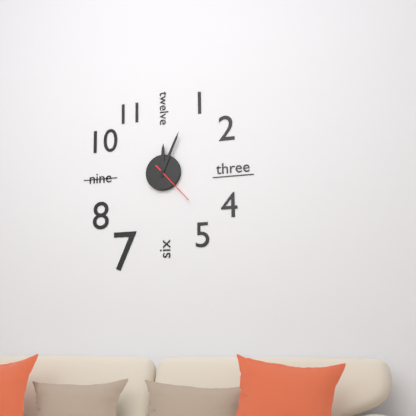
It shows 12,04
